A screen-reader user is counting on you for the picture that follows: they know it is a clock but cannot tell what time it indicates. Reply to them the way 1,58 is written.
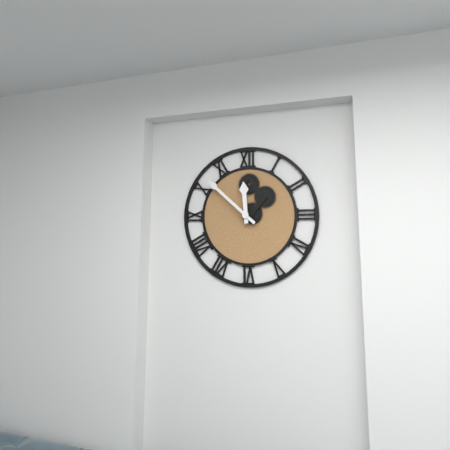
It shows 11,52
